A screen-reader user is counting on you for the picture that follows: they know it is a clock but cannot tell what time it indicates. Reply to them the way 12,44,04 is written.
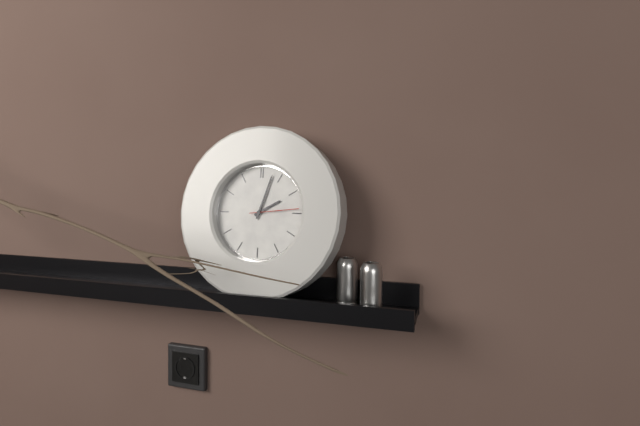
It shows 2,03,14
